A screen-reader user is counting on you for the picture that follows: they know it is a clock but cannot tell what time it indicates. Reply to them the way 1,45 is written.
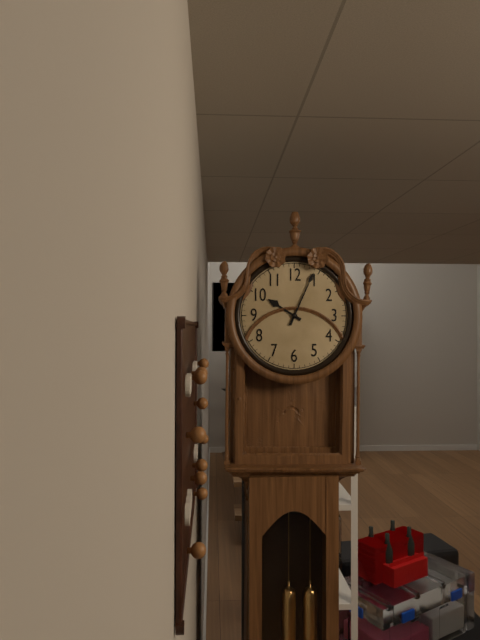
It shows 10,04
